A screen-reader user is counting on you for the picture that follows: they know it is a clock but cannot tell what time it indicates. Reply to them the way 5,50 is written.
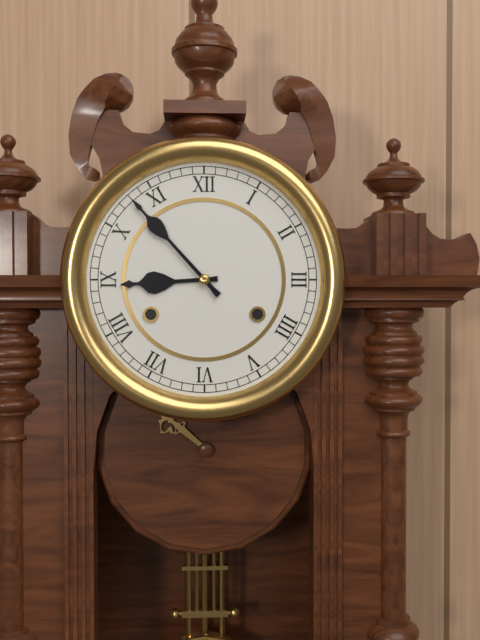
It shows 8,53
